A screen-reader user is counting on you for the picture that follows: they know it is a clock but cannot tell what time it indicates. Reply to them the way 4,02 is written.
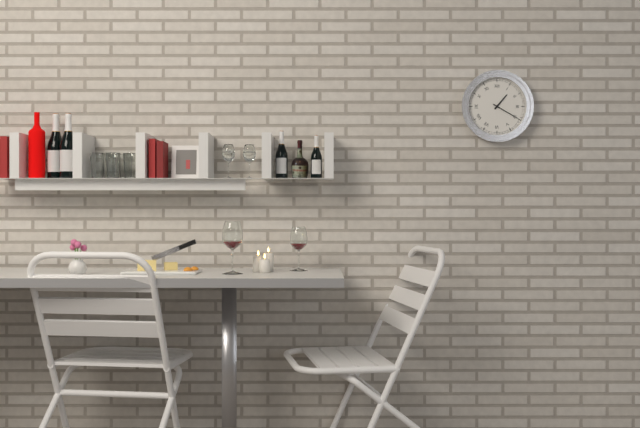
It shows 1,20
